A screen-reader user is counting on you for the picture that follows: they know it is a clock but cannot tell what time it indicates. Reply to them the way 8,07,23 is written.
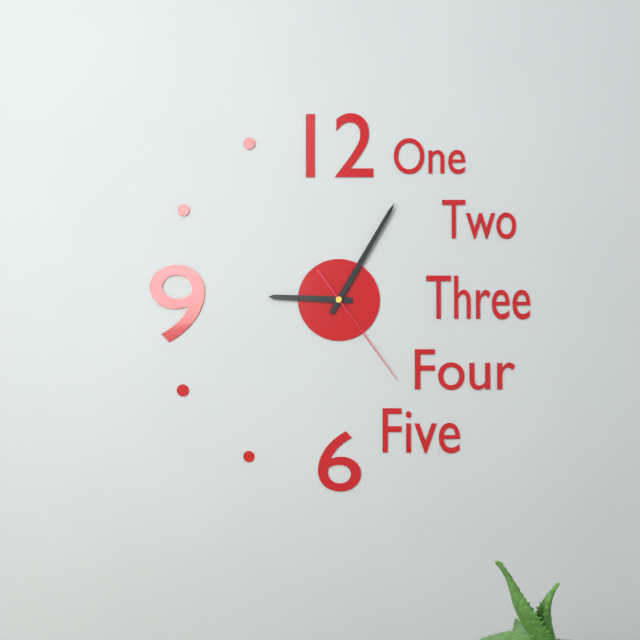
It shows 9,05,24
